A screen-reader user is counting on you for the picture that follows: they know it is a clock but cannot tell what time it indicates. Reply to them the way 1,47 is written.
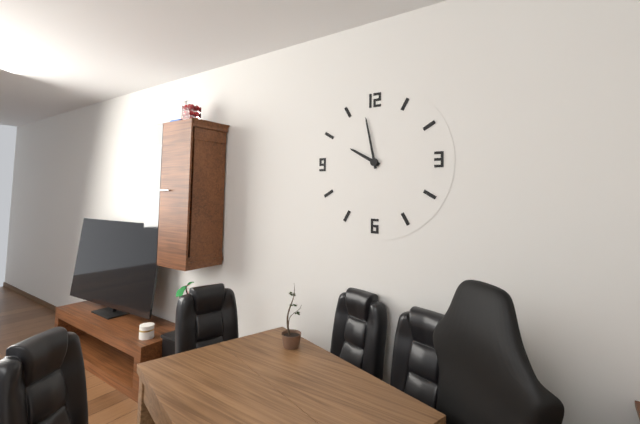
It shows 9,58
